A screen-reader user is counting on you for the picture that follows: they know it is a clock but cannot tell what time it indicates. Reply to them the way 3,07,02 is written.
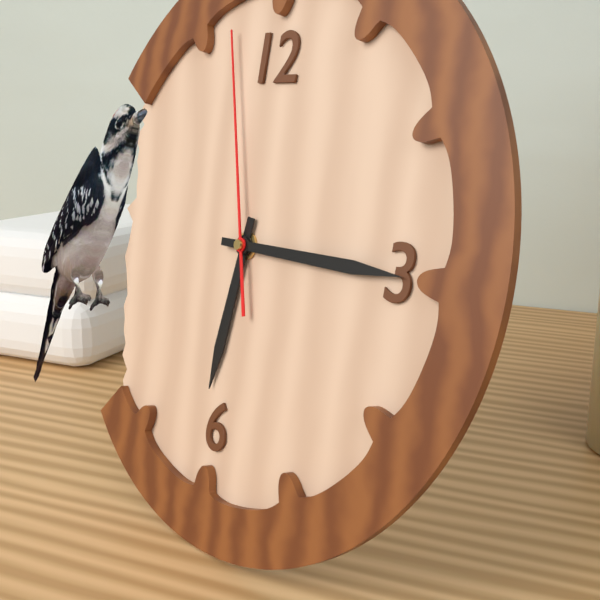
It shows 6,15,57
